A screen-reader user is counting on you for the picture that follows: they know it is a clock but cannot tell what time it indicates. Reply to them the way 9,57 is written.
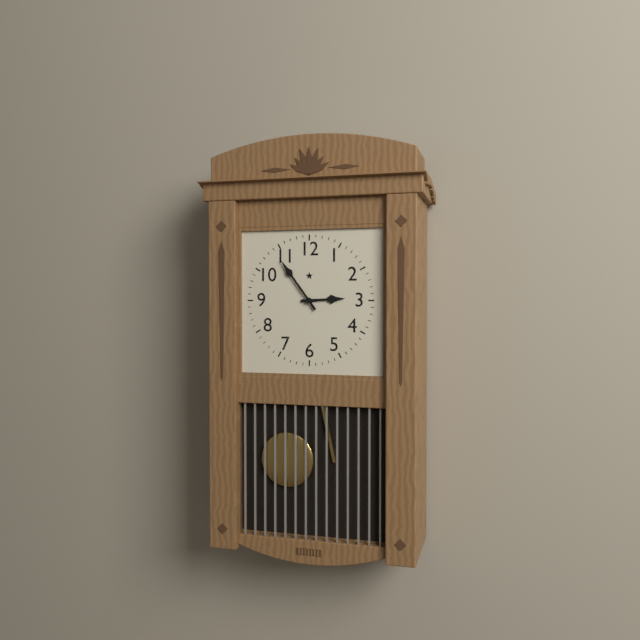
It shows 2,54
